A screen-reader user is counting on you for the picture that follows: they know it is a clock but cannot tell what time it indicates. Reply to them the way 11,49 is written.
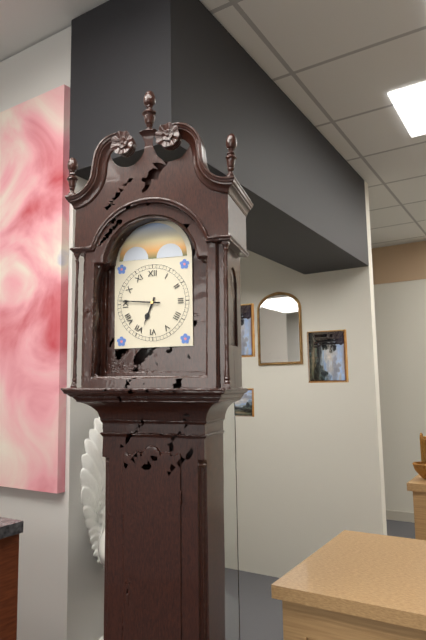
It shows 6,46
